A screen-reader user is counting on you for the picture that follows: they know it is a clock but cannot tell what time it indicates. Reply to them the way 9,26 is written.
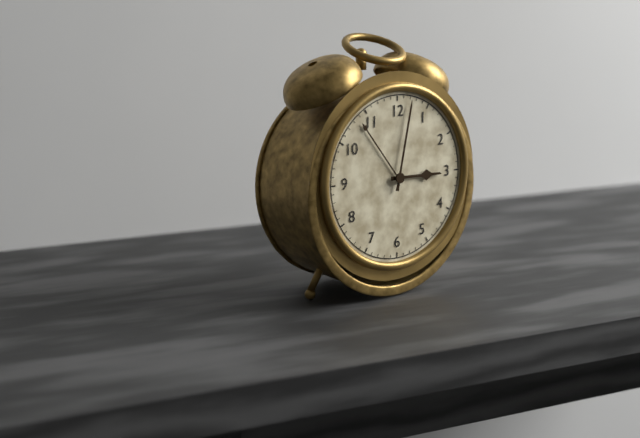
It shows 3,02
